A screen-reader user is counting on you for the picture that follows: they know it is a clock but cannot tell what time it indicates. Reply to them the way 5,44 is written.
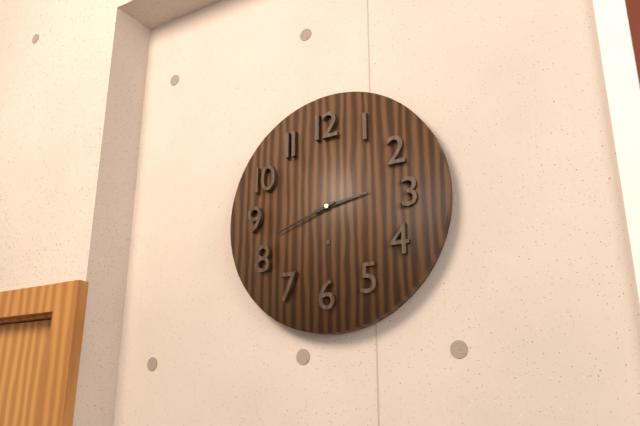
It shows 2,42
